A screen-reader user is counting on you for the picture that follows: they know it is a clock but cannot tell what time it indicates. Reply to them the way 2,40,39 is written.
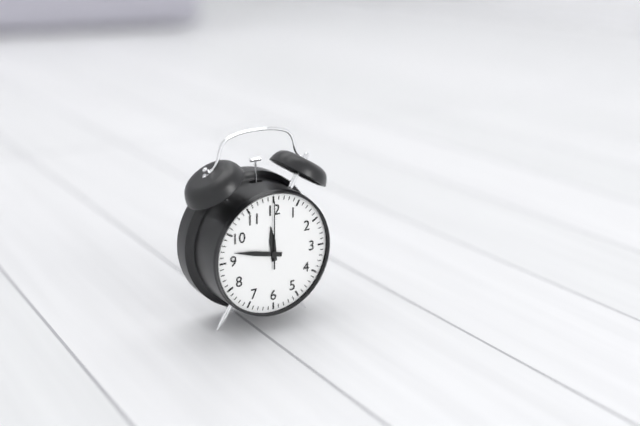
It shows 11,47,00
